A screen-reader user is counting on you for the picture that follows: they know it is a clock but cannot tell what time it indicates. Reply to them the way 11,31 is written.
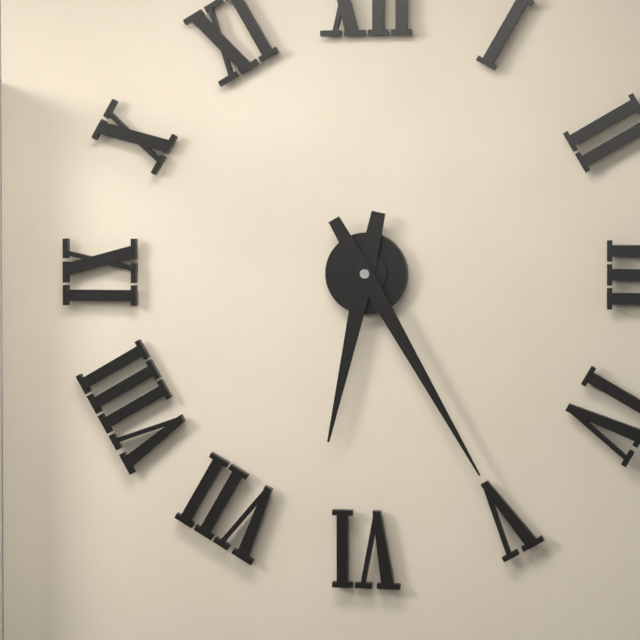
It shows 6,25
